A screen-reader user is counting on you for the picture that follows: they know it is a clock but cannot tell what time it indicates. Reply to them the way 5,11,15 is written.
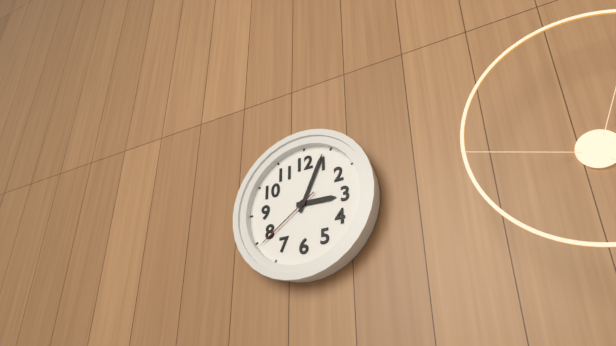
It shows 3,04,39
